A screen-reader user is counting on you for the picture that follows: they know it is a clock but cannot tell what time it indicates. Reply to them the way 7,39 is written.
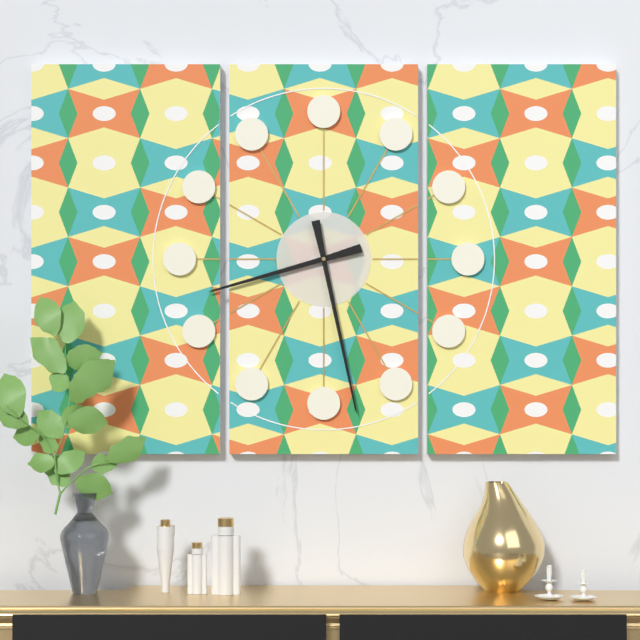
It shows 8,28
